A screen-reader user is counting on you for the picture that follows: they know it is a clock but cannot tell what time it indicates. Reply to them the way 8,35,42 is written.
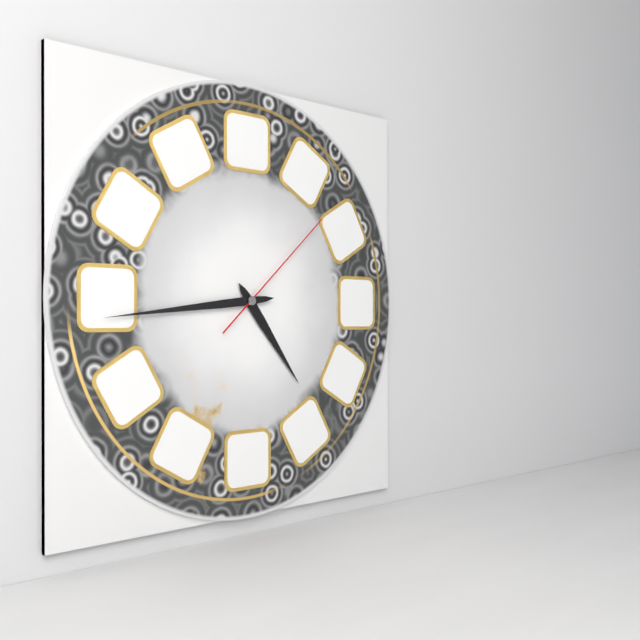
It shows 4,44,08
